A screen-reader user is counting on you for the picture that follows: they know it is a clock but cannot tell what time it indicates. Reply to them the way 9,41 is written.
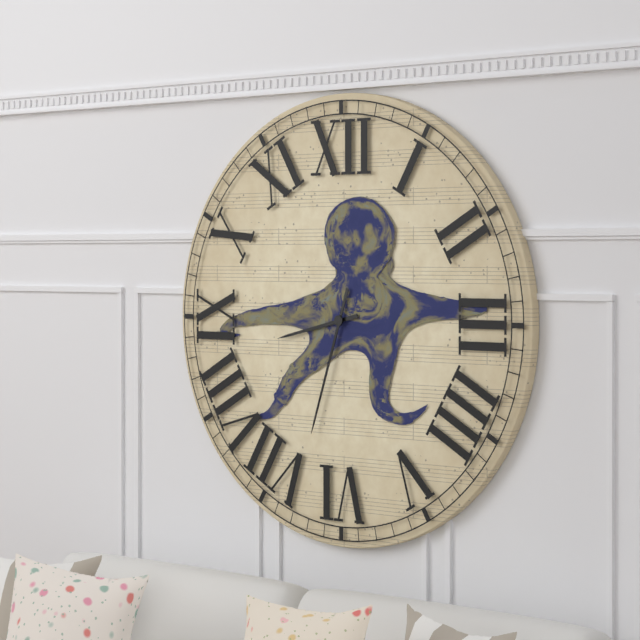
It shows 8,33
